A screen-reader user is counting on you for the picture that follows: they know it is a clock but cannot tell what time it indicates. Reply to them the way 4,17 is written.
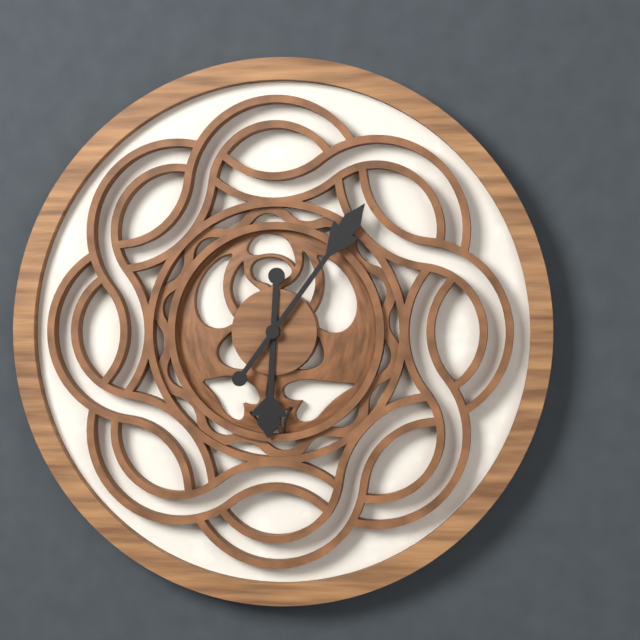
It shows 6,06
